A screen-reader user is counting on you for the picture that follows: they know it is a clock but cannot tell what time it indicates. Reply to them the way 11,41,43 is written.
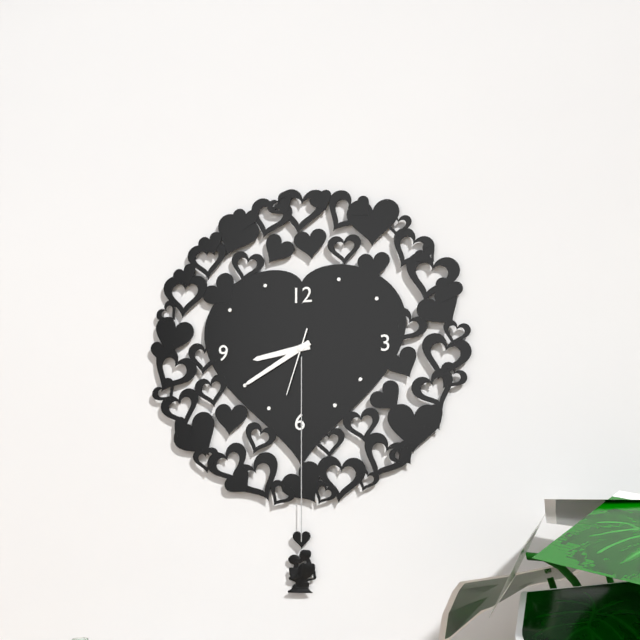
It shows 8,40,33
